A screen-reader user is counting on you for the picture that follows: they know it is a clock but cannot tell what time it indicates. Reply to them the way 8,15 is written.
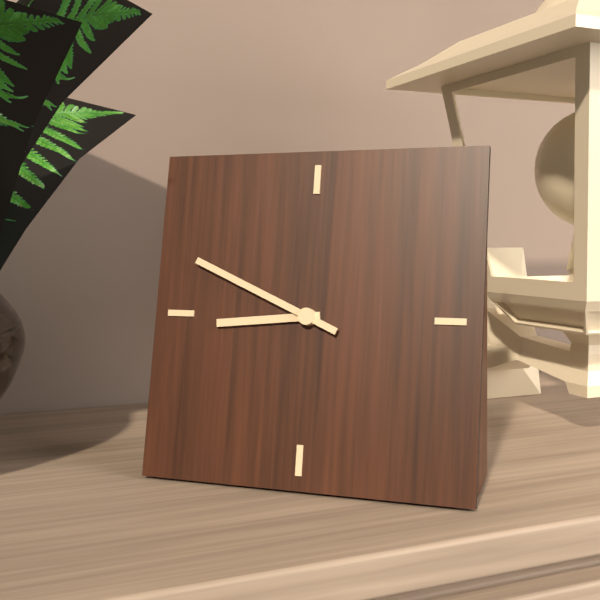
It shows 8,49
